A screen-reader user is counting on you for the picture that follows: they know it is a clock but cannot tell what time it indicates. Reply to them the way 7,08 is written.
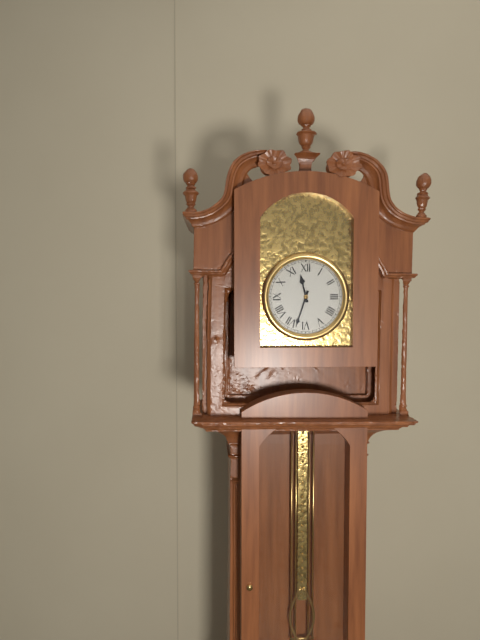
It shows 11,33
